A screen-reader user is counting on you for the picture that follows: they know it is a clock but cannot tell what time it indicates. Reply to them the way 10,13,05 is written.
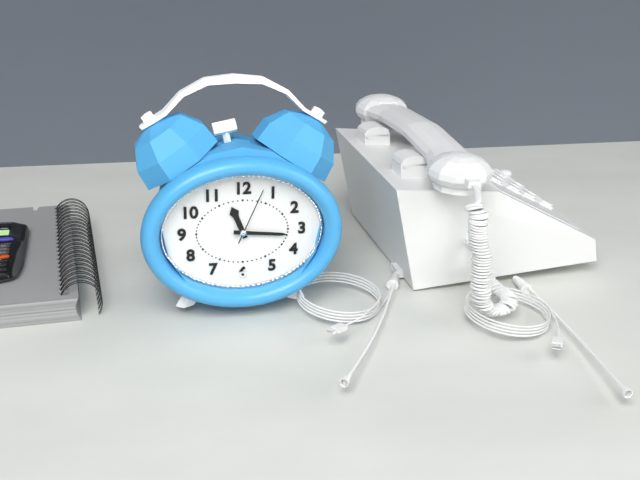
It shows 11,16,04
